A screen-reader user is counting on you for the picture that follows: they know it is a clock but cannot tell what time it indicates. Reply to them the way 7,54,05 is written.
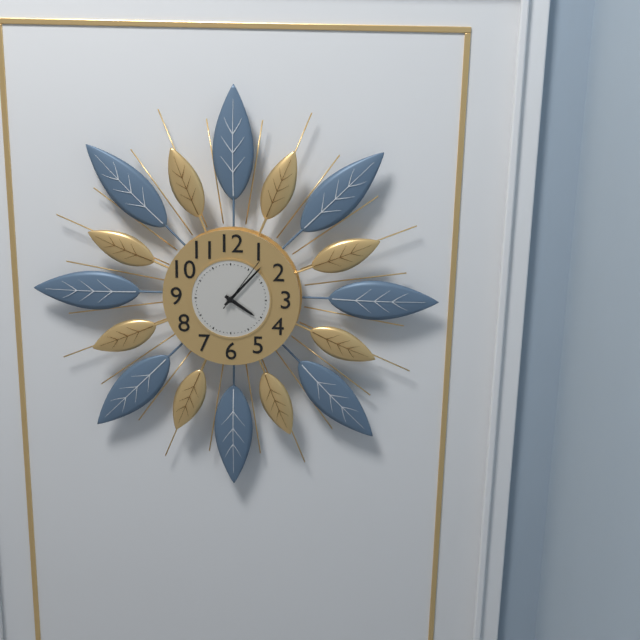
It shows 4,07,06
